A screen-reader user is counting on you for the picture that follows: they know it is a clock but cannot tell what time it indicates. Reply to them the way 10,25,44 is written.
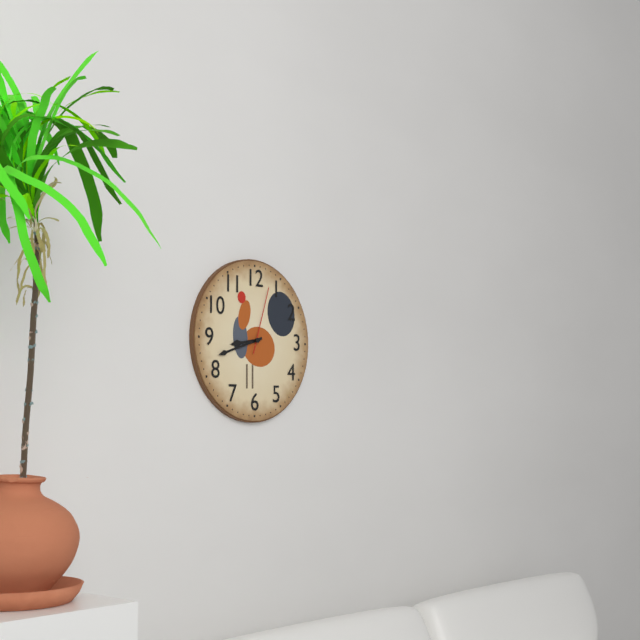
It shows 8,42,03
